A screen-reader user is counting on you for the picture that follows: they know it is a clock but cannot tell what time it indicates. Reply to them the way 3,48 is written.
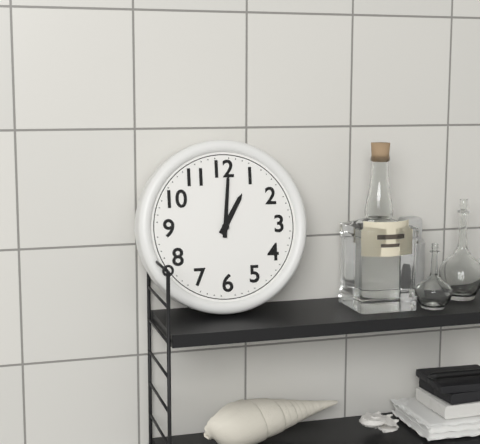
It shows 1,01
